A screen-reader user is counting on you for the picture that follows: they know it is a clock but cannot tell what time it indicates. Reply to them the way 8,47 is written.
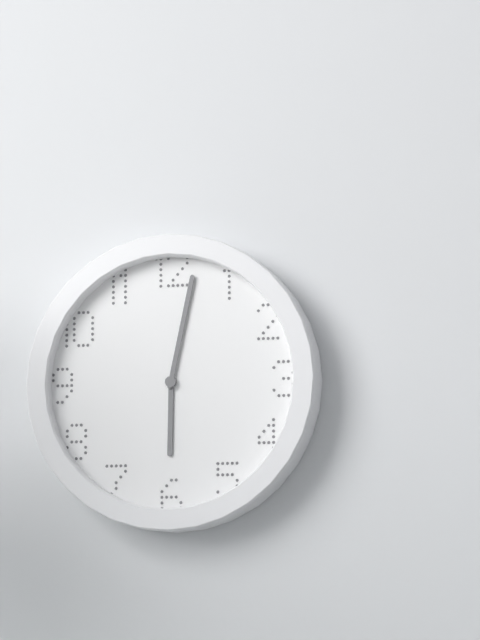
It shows 6,02
